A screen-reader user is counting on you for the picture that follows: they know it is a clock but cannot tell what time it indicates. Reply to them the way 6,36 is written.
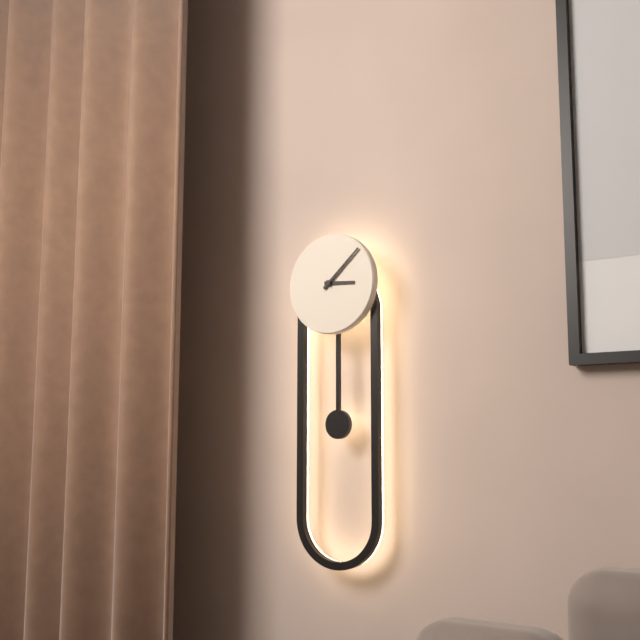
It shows 3,08
